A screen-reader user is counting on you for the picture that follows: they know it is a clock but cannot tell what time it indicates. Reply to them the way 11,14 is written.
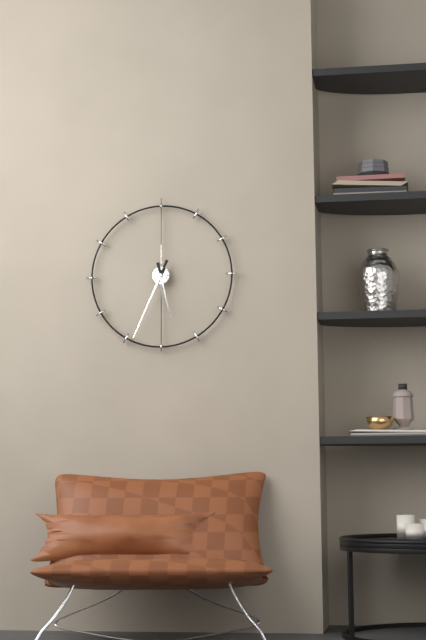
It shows 5,34
